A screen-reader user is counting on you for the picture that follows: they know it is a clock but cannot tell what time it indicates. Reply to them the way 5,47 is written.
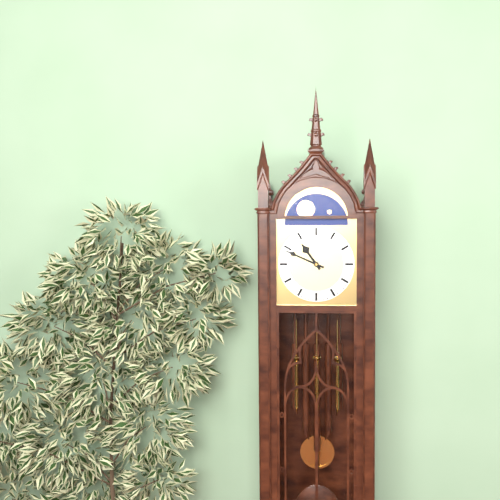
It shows 10,49
